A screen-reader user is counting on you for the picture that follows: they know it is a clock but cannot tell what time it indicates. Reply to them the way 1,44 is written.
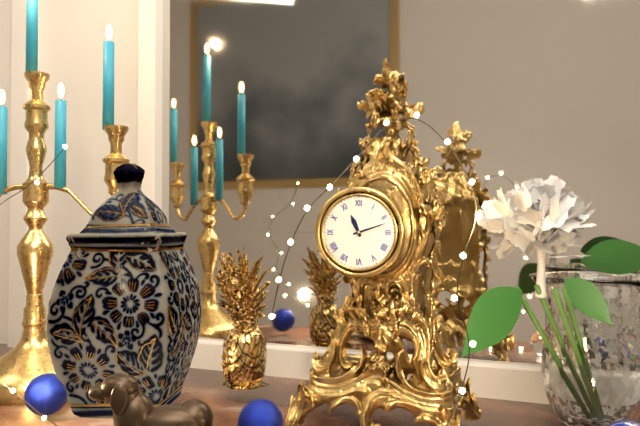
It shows 11,12
